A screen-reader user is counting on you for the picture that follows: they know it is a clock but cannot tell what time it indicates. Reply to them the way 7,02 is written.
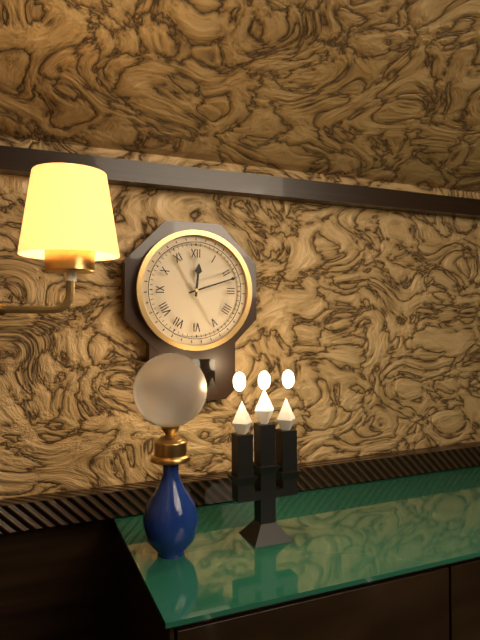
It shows 12,12
